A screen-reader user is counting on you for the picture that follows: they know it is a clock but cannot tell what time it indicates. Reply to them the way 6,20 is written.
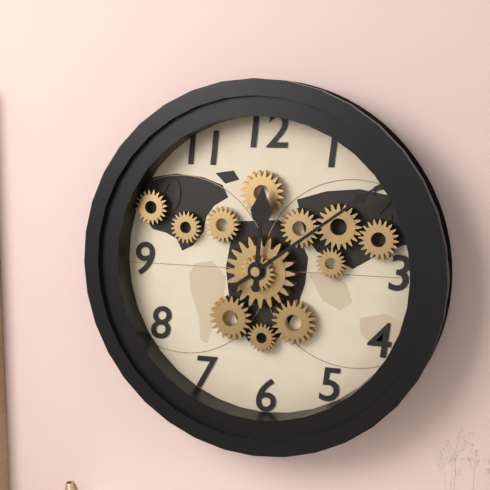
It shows 12,09
